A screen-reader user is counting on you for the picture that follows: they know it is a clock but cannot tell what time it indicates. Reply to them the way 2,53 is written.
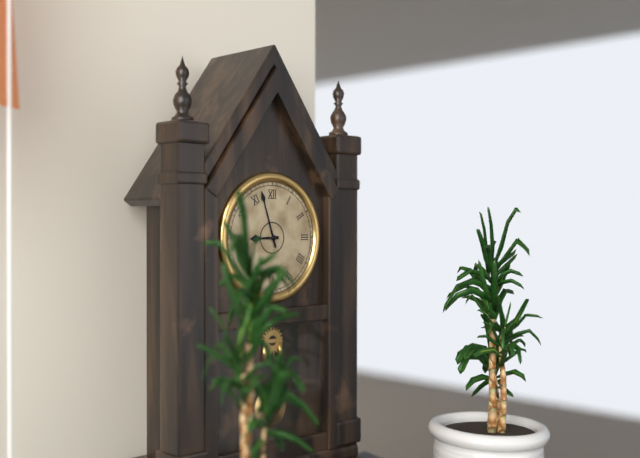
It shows 8,57
